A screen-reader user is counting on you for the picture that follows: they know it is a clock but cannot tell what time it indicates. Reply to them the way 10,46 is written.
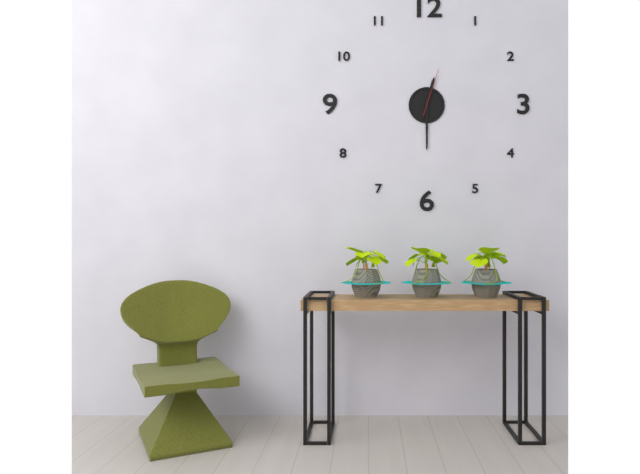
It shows 12,30
